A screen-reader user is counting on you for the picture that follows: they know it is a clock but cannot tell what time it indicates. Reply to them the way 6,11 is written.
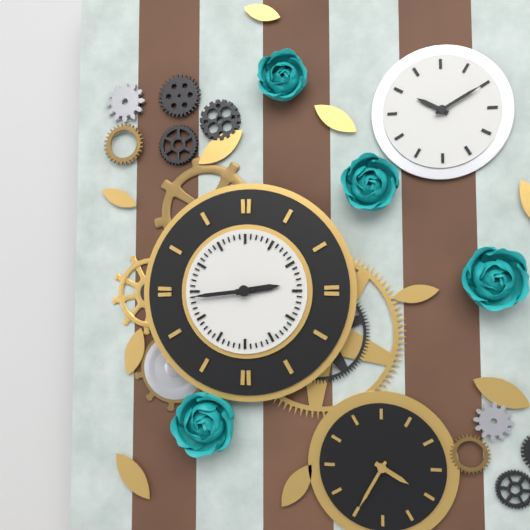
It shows 2,44
